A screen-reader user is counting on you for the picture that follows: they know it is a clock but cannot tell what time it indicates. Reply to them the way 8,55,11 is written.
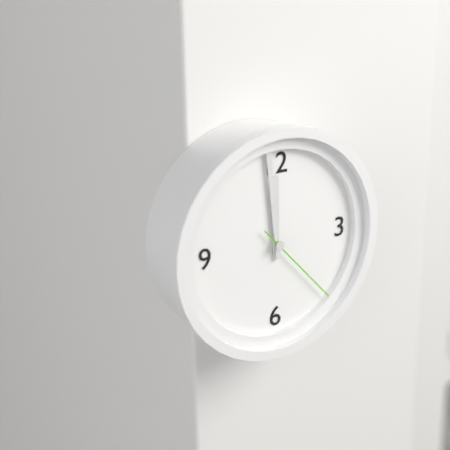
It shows 11,59,23
